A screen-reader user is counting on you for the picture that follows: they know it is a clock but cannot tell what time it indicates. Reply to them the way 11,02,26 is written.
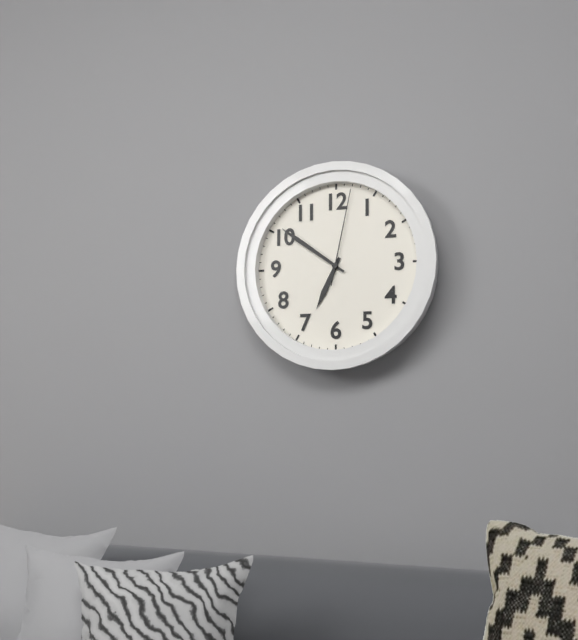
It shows 6,51,02
